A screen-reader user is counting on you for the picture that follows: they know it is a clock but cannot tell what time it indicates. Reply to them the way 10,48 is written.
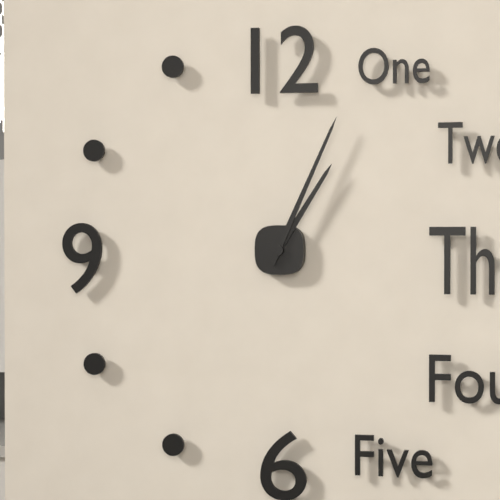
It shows 1,04
